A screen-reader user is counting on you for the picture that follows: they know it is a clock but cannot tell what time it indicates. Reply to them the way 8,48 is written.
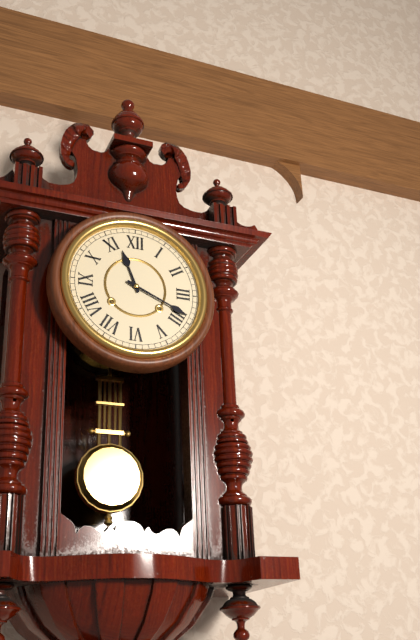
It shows 11,19
